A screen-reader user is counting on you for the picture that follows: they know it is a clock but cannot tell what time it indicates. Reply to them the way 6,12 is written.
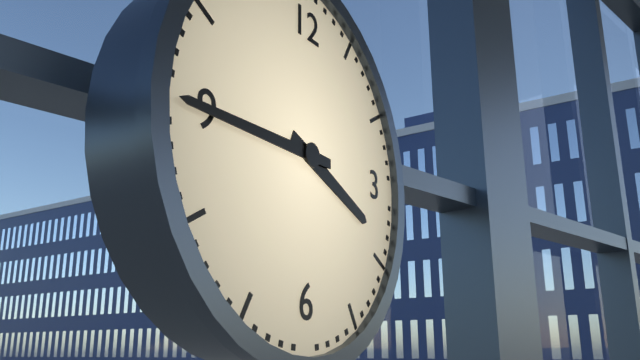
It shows 3,45
